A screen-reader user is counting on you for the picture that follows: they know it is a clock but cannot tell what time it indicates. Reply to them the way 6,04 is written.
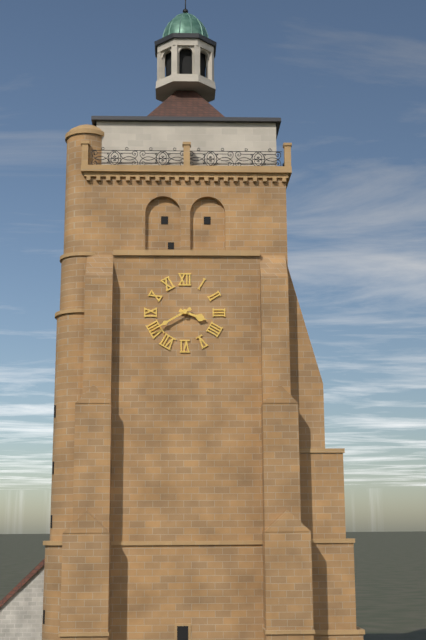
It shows 3,40
